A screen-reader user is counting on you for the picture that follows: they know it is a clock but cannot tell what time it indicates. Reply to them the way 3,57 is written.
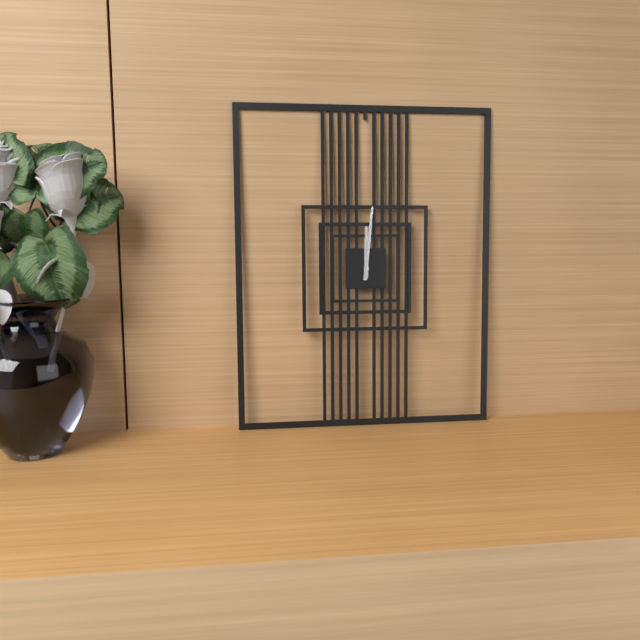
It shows 12,01
